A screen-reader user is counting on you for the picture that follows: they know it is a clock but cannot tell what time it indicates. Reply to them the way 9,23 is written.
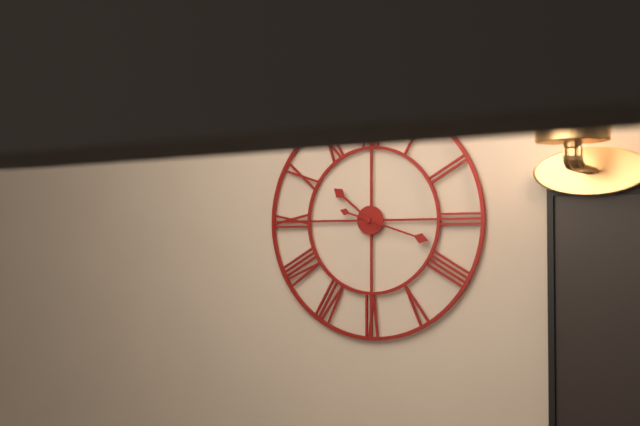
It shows 10,18
